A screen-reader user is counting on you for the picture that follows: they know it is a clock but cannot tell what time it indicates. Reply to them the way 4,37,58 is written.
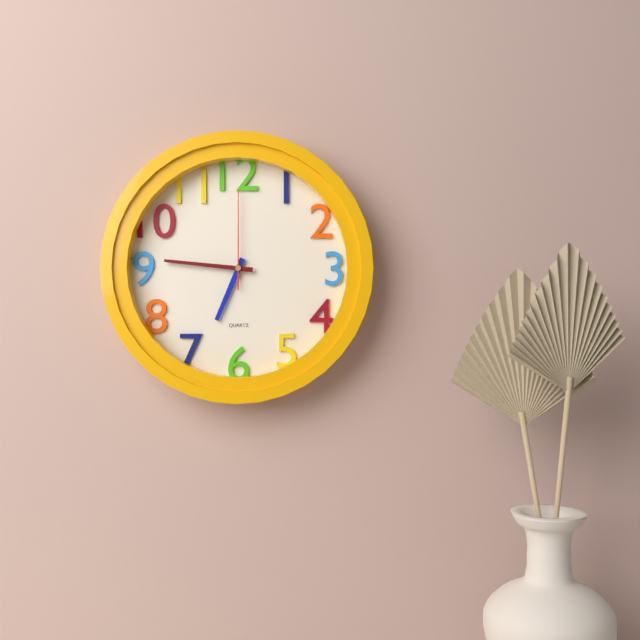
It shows 6,46,00
